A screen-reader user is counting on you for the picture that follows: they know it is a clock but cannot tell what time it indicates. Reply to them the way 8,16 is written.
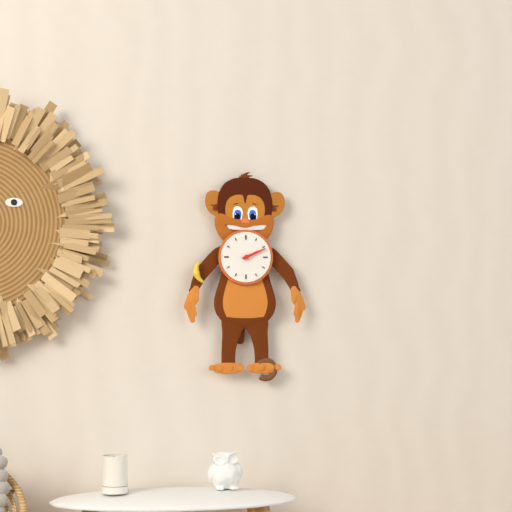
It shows 2,11
